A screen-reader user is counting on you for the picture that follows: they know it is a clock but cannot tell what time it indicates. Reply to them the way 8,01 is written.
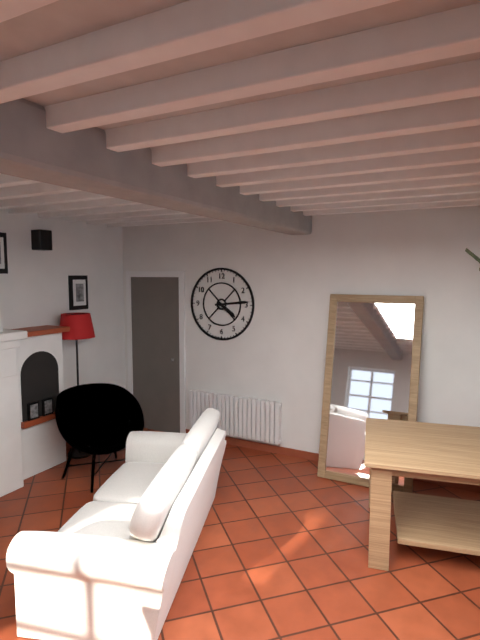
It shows 4,14
